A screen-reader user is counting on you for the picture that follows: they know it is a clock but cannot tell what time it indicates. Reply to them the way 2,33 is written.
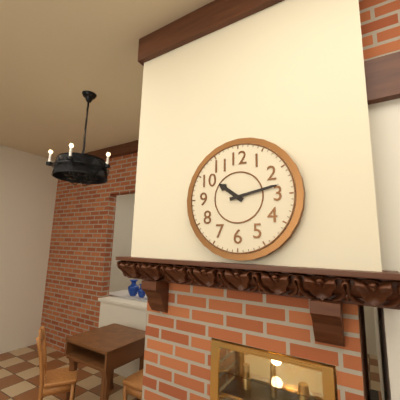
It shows 10,13
